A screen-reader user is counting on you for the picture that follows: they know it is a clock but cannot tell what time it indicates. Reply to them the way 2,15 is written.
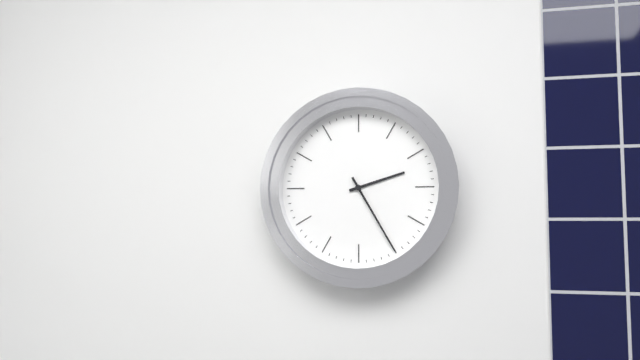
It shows 2,25
